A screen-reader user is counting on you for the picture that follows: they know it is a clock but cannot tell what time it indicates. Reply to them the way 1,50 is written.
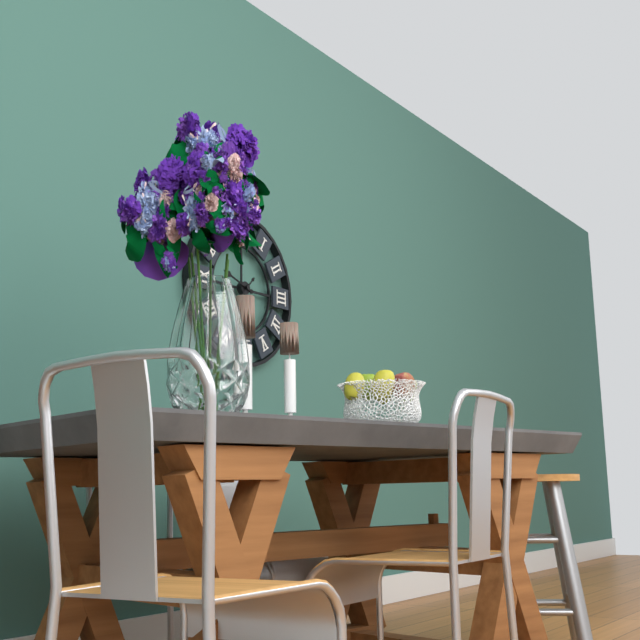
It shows 9,37
